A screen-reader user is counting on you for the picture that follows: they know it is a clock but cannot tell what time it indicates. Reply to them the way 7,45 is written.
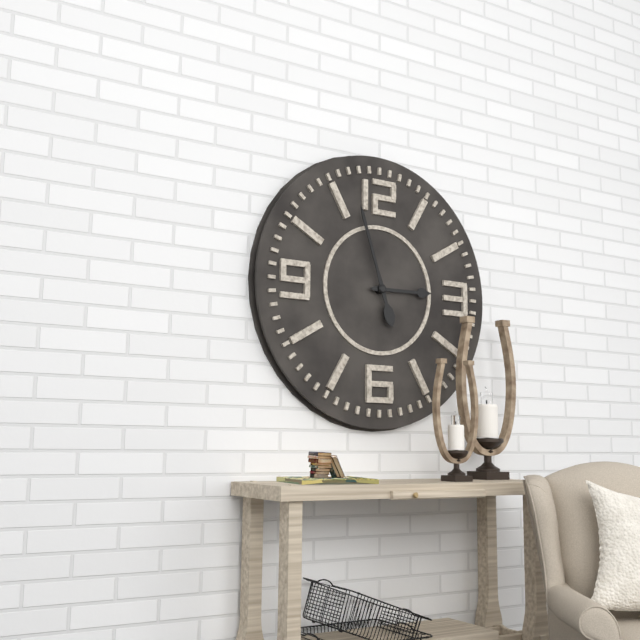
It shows 2,57
